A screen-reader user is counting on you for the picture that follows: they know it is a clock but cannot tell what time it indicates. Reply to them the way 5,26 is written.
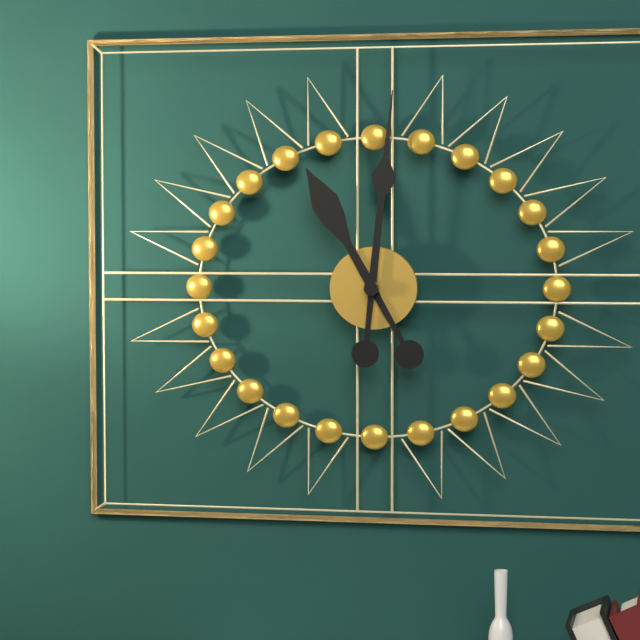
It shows 11,01
